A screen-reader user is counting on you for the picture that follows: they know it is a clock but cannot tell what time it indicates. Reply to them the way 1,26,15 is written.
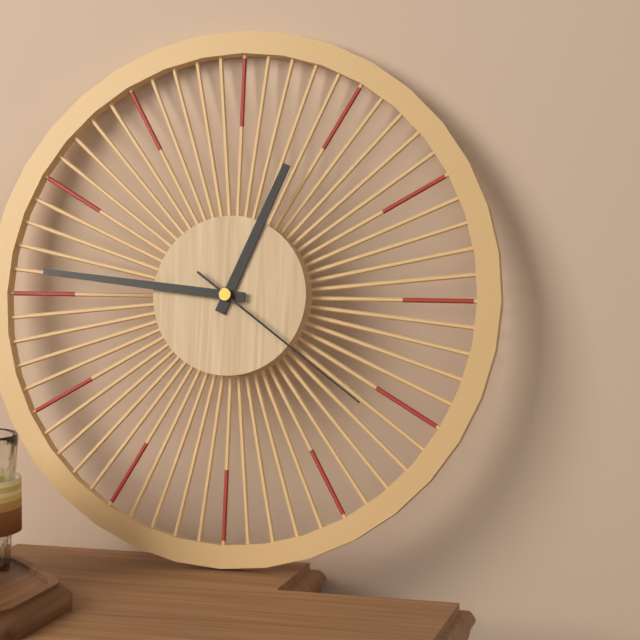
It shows 12,46,21
